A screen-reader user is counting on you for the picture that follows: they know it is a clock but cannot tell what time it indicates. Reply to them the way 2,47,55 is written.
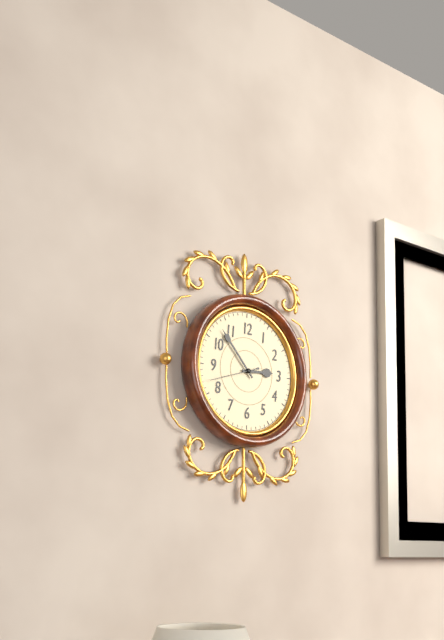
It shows 2,53,42
